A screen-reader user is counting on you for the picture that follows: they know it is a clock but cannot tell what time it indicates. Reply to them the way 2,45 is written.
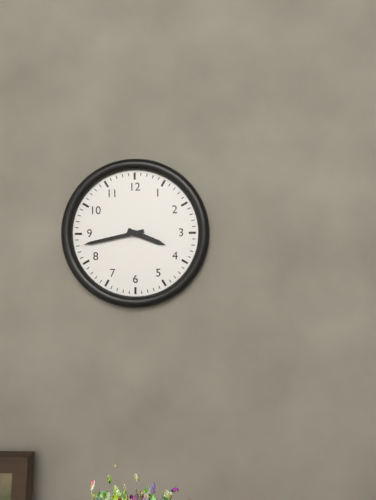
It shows 3,43
